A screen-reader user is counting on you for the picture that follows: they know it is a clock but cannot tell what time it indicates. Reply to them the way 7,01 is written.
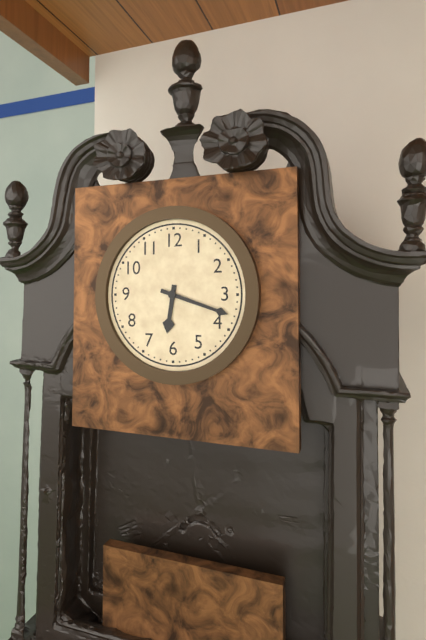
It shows 6,18
